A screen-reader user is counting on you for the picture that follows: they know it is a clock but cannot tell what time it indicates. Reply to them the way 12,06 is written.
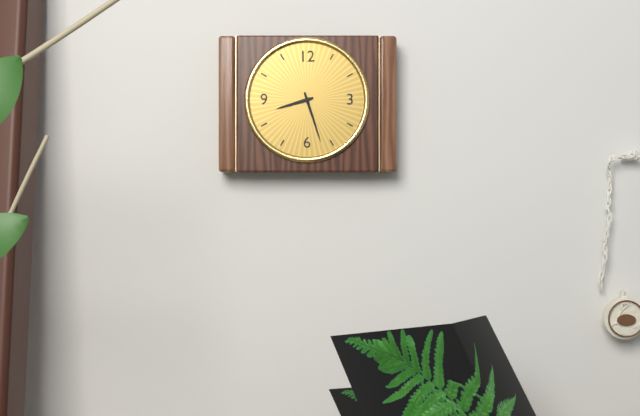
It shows 8,27
